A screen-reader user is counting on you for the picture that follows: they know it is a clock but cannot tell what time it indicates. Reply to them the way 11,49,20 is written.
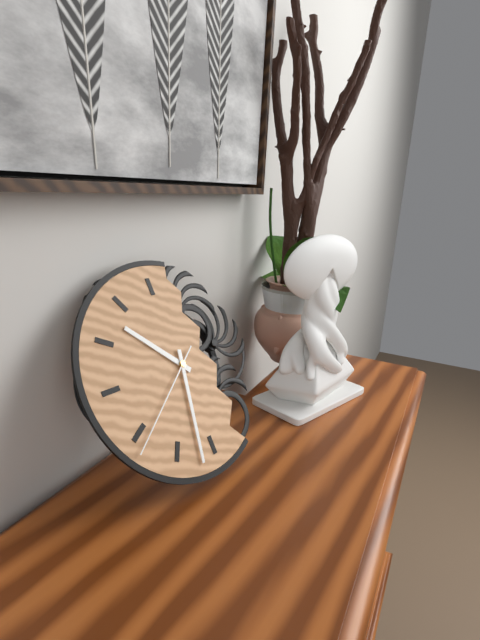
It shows 10,32,39
